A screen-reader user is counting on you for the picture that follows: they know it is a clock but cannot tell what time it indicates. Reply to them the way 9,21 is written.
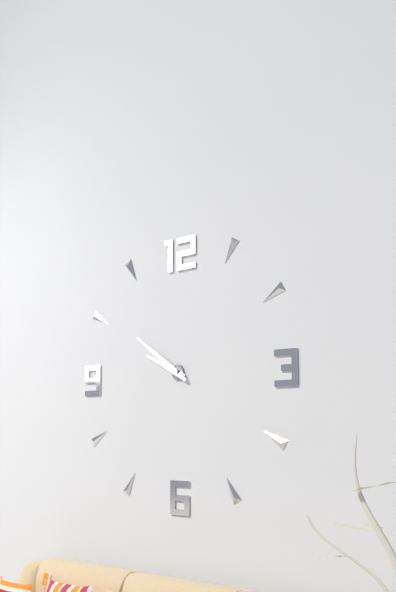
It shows 9,51
